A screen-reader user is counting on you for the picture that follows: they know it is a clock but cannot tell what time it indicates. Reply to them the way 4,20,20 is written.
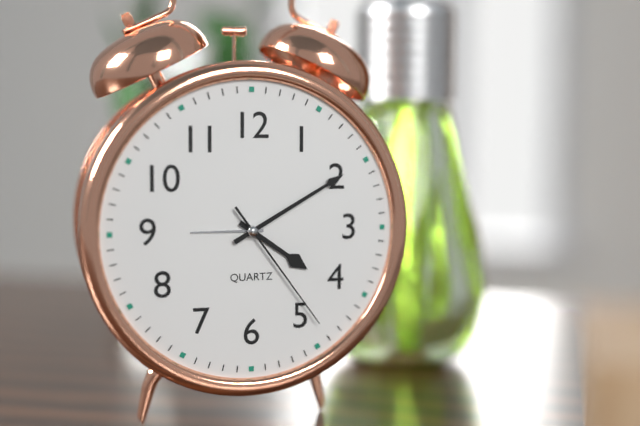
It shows 4,10,24
